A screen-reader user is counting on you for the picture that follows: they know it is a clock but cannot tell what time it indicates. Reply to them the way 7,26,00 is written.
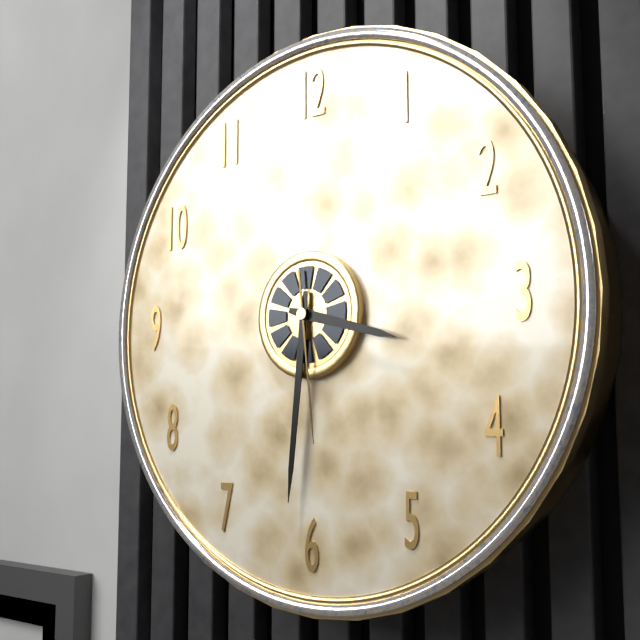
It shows 3,31,29
